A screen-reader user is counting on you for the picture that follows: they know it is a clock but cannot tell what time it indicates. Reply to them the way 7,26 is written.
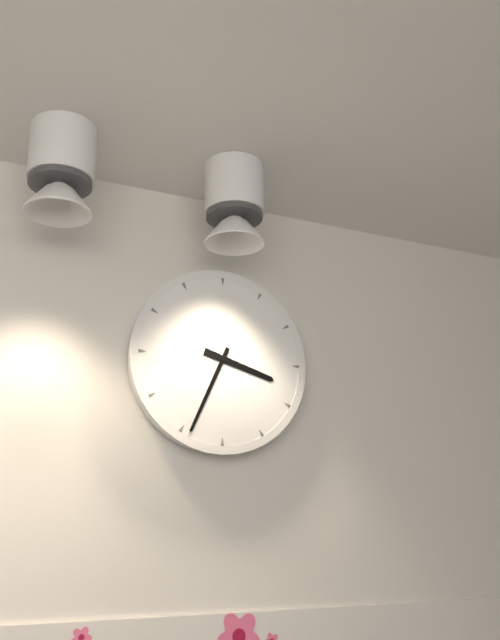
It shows 3,34
